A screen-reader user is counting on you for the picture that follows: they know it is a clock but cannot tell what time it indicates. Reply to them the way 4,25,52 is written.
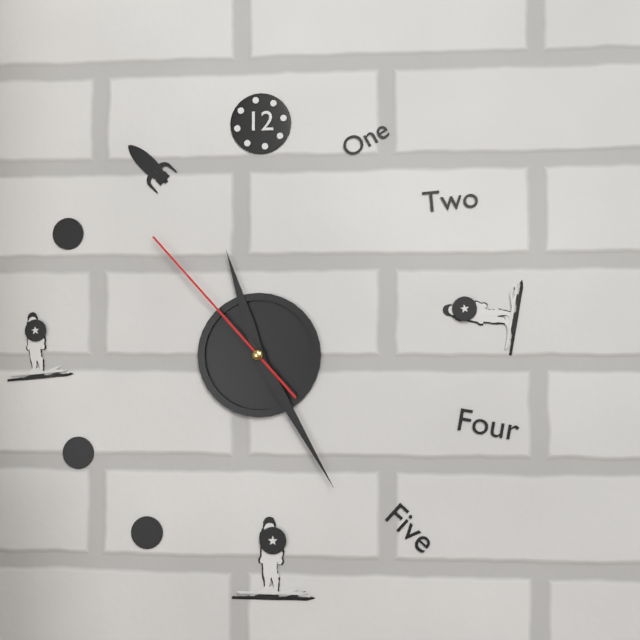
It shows 11,25,53
